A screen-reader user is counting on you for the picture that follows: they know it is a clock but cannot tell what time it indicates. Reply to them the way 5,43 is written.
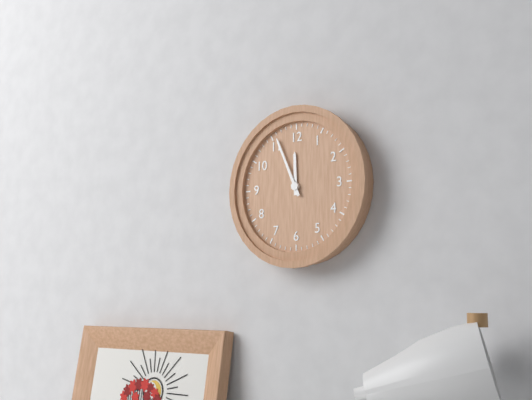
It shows 11,56
